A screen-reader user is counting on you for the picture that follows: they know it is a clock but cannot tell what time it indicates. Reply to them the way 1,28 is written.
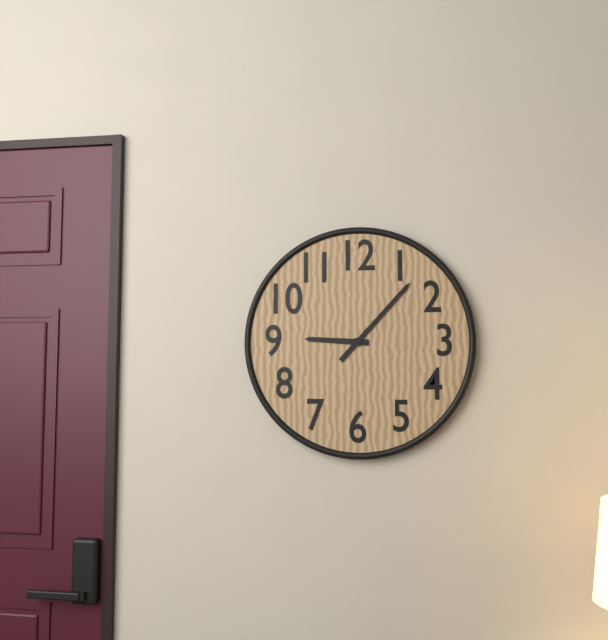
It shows 9,07
